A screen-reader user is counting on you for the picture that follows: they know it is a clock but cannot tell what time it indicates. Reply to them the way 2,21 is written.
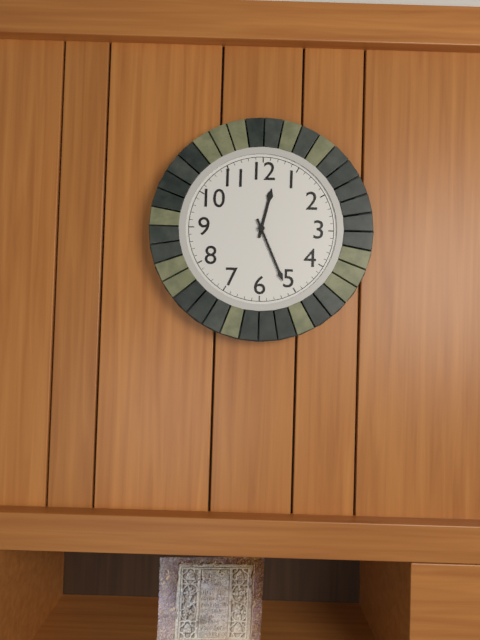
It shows 12,26
